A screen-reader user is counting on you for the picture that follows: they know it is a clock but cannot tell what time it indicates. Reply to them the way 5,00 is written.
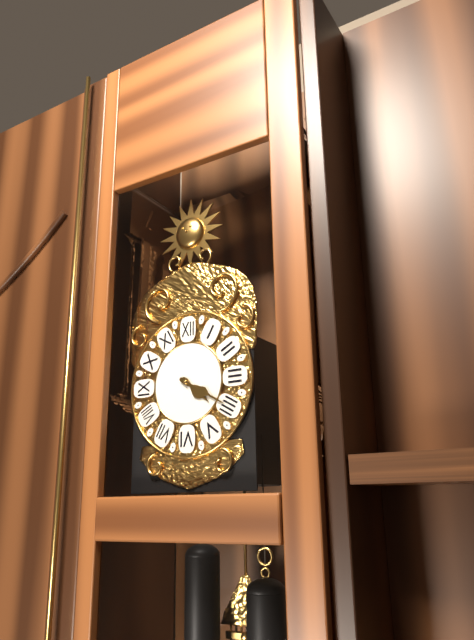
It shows 4,20
